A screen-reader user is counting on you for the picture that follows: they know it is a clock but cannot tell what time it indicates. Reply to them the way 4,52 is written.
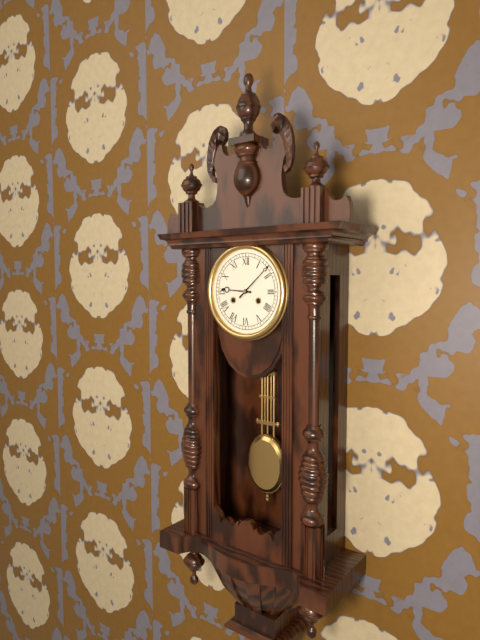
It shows 9,08
